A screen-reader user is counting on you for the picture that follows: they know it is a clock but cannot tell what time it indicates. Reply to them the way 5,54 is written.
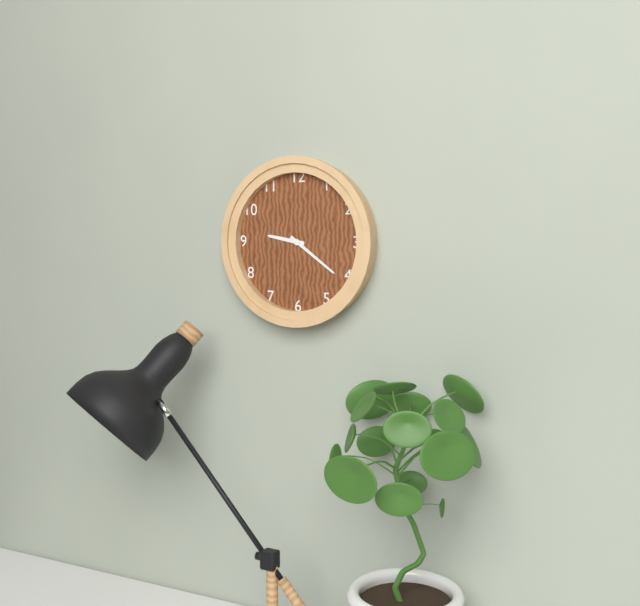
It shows 9,21
